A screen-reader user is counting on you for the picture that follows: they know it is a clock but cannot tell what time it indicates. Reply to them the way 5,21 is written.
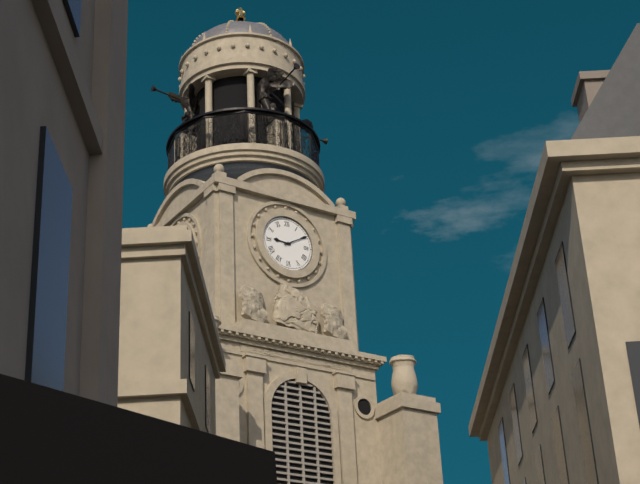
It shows 9,10
